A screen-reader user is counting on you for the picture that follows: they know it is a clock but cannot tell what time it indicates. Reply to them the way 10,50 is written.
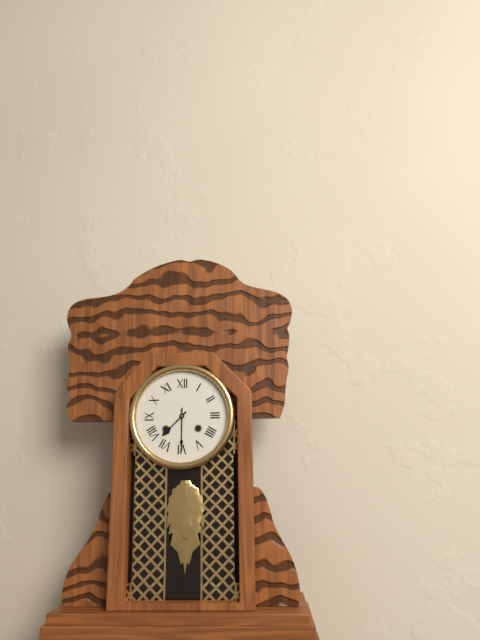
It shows 7,30
